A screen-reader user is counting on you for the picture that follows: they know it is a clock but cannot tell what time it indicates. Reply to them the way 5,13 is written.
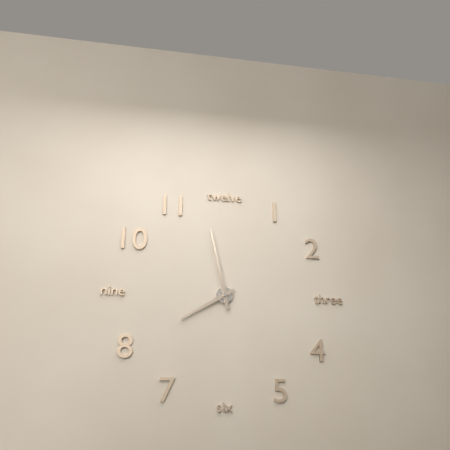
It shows 7,58
